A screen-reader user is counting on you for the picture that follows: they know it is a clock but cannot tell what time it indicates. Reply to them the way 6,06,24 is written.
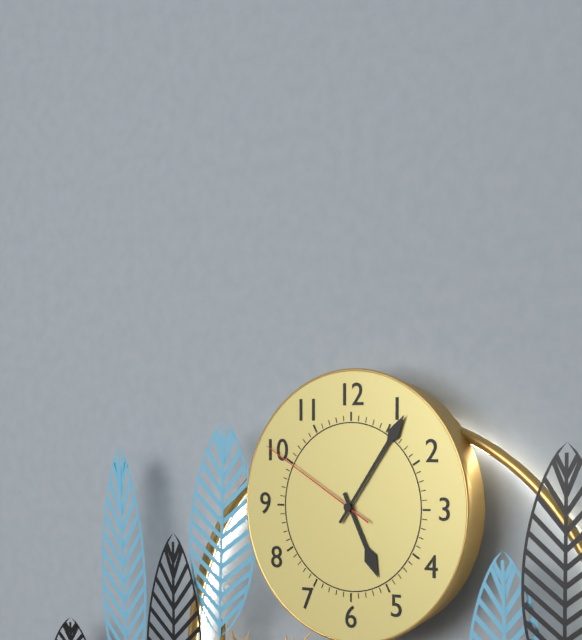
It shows 5,06,50
